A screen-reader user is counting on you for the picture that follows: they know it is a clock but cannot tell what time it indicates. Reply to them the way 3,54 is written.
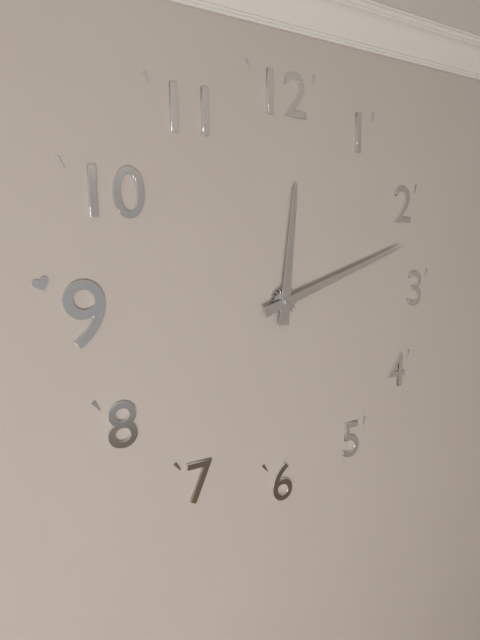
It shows 12,12
